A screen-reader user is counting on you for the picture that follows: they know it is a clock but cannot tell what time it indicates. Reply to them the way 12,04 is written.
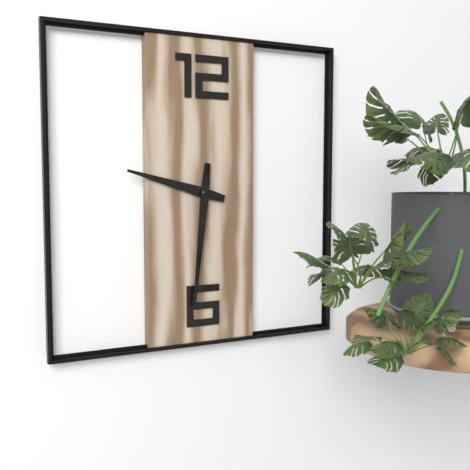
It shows 9,31
